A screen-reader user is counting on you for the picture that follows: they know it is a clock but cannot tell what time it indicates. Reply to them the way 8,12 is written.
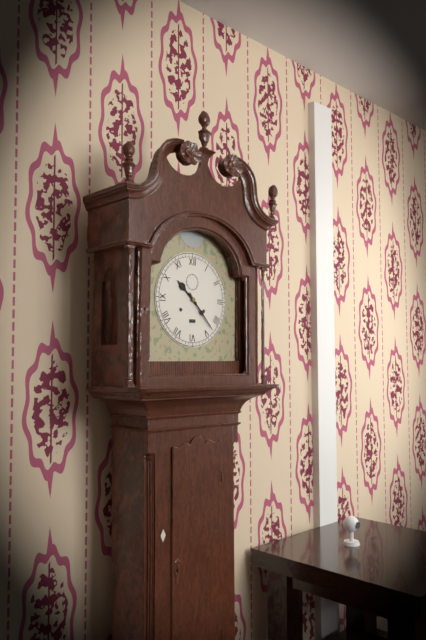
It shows 10,23
